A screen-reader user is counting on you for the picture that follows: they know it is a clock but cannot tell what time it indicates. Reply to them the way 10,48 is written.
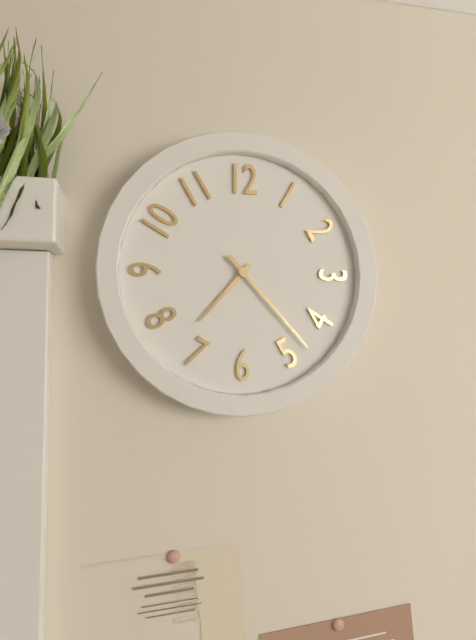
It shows 7,23
